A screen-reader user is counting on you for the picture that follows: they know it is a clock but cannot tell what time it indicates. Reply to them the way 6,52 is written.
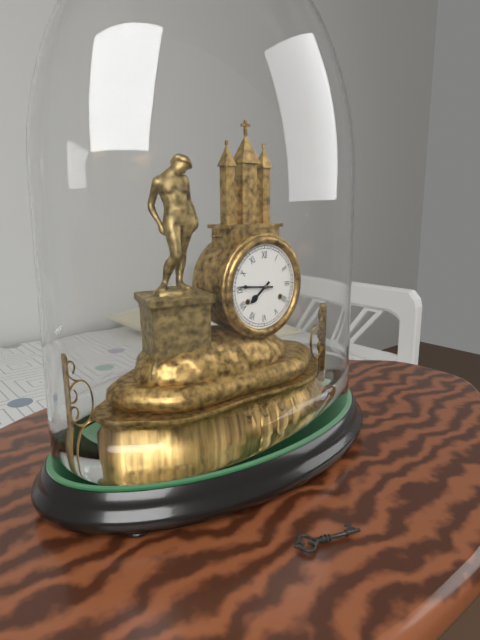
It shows 7,46
